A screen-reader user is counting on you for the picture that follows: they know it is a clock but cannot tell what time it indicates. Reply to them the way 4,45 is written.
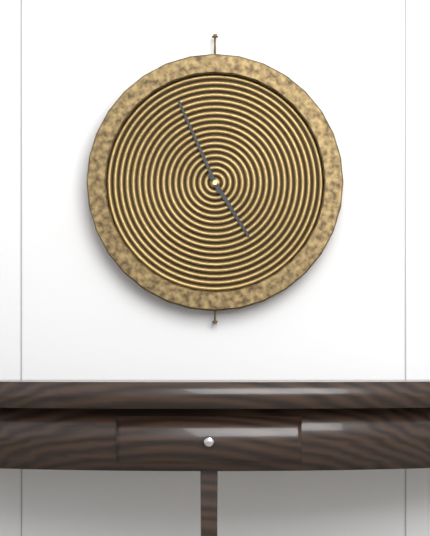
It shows 4,56
